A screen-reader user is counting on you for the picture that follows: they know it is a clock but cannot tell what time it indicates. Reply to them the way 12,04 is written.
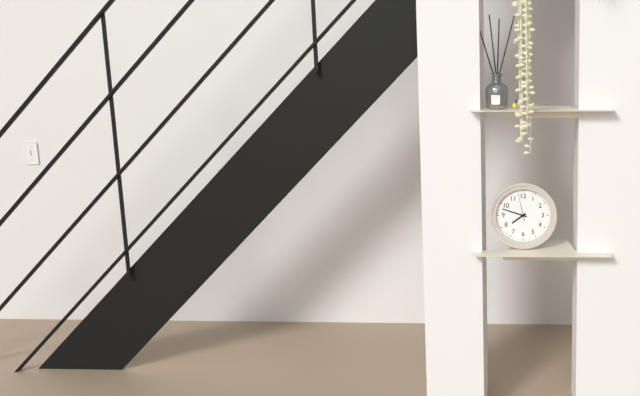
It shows 7,48
